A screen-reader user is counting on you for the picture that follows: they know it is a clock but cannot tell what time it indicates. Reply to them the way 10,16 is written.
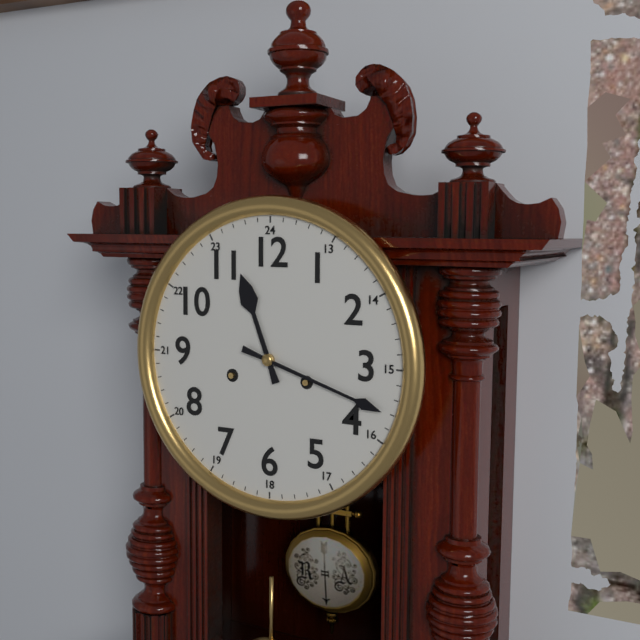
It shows 11,18
